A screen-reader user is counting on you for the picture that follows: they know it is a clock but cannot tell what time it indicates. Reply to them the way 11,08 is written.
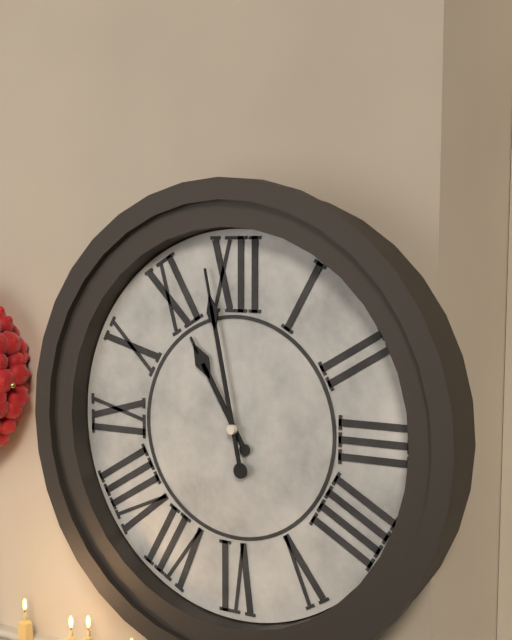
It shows 10,58
